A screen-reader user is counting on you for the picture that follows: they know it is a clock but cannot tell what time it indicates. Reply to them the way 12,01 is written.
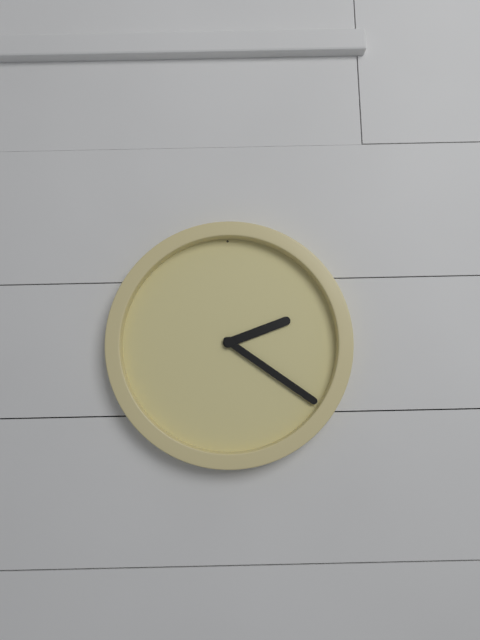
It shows 2,21
